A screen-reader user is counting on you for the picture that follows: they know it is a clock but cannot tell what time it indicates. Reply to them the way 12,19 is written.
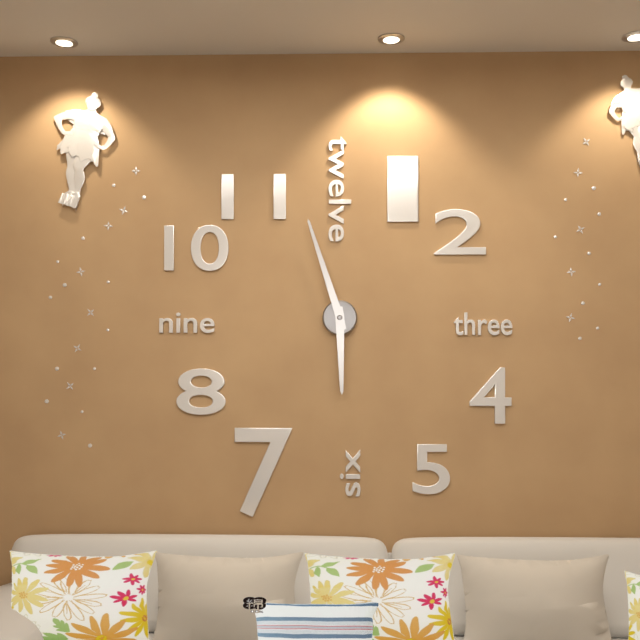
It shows 5,57
